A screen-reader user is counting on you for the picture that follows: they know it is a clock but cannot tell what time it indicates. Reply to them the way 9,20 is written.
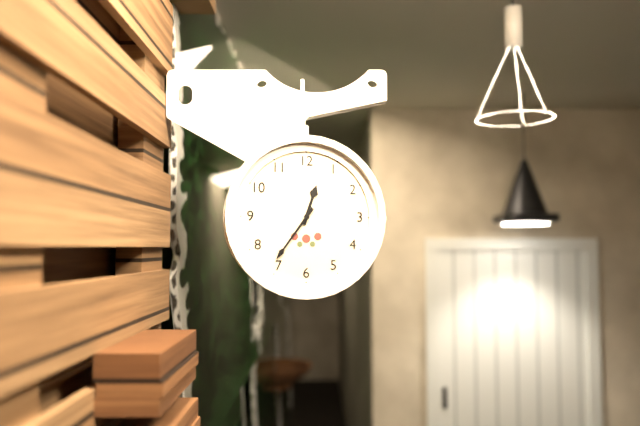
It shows 12,36
